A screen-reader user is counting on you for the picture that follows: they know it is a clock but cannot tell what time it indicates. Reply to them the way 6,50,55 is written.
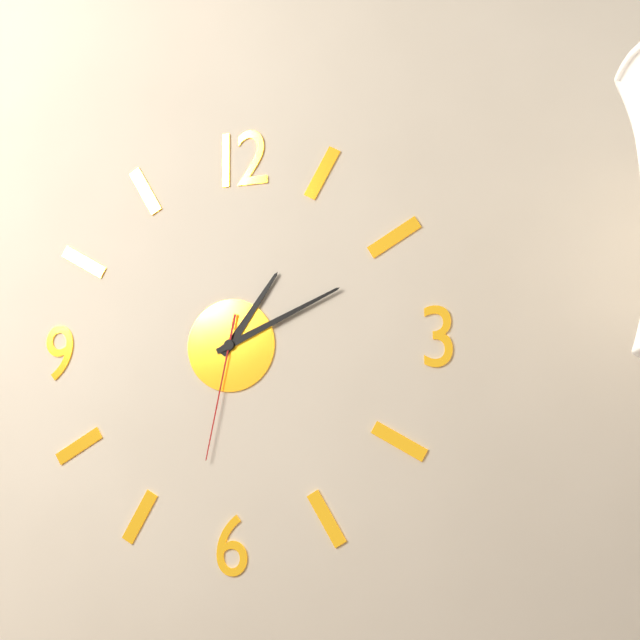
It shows 1,11,32
